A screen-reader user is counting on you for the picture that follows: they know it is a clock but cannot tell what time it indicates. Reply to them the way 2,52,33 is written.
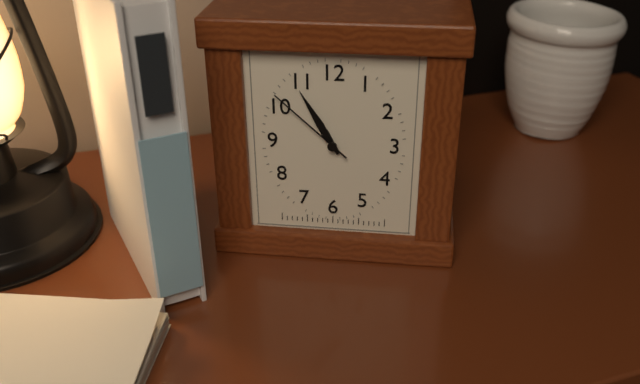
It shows 10,55,52
